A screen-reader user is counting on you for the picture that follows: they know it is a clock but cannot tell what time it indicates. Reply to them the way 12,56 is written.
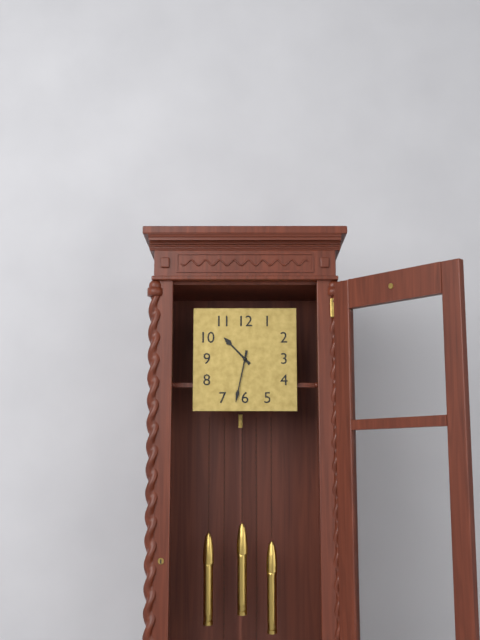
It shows 10,32
